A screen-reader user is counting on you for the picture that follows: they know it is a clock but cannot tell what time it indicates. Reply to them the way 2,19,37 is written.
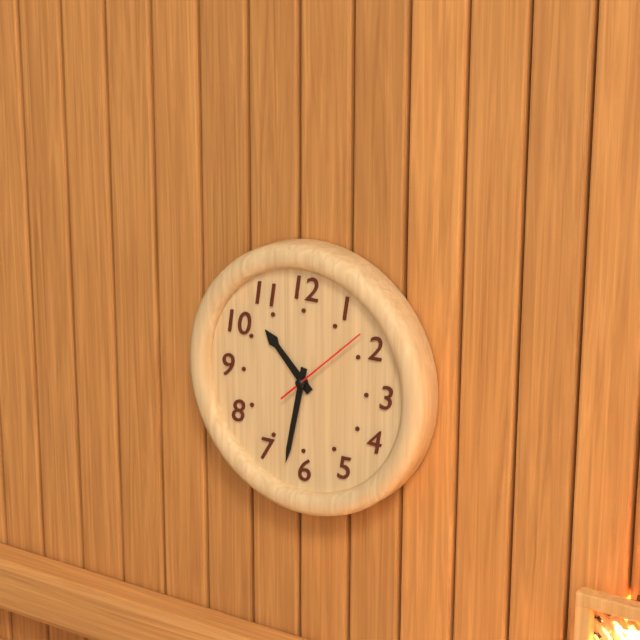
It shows 10,32,08
